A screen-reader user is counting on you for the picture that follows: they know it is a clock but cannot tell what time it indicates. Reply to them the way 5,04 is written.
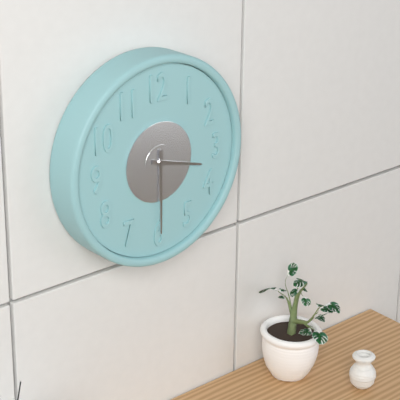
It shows 3,30
